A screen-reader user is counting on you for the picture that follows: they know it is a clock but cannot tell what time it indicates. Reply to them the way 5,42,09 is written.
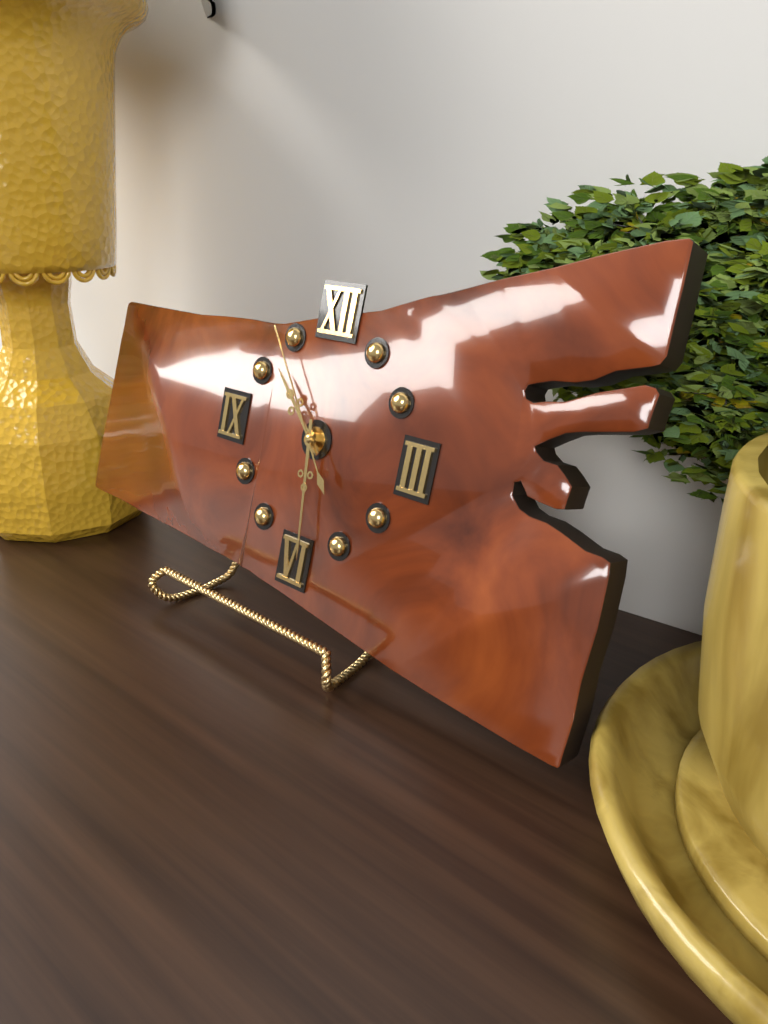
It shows 10,29,54
